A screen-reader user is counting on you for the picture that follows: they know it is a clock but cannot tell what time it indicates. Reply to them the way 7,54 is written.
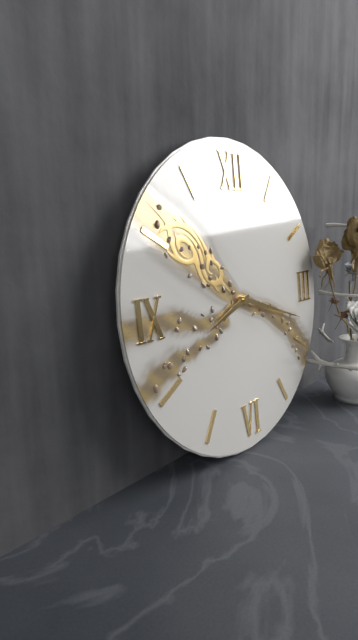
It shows 8,18
